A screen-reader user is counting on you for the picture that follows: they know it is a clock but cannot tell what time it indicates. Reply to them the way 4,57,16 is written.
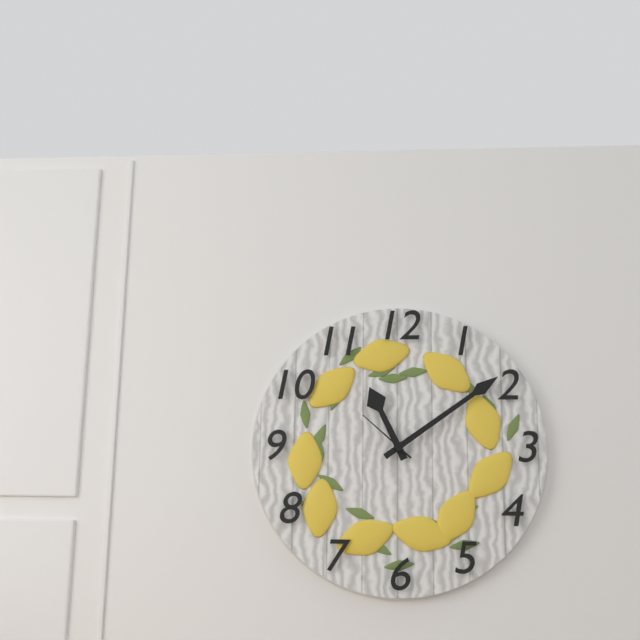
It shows 11,09,52
